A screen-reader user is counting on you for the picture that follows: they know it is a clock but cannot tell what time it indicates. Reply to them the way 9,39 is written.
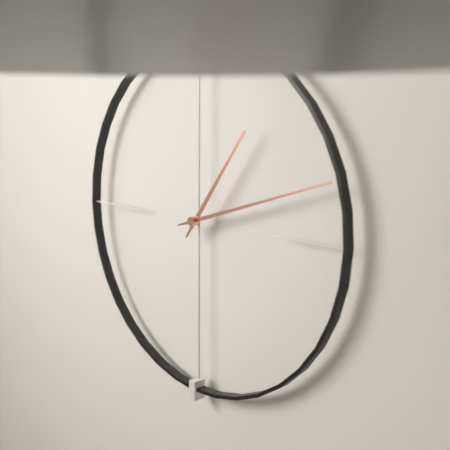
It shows 1,12
